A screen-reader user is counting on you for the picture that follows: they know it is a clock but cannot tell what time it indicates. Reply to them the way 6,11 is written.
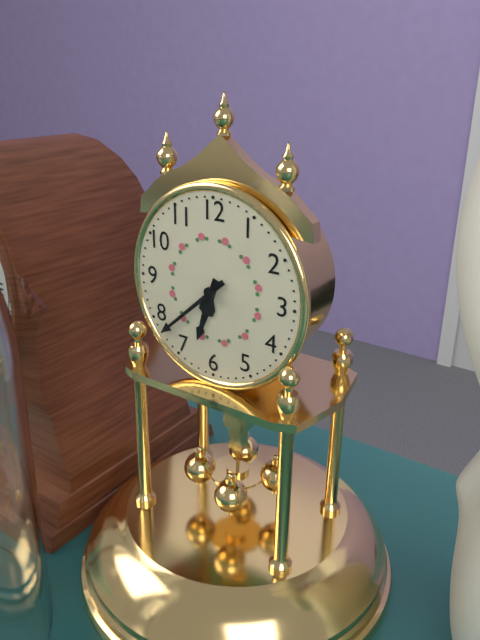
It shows 6,38
